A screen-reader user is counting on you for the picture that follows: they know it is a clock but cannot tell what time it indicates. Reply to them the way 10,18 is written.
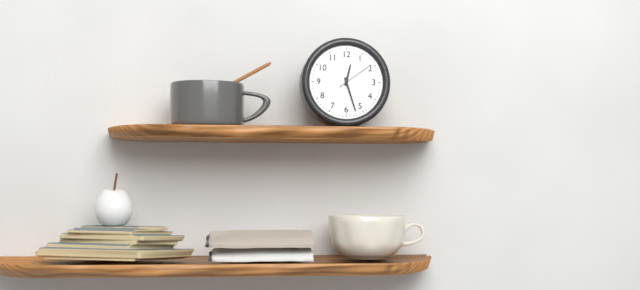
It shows 12,27
